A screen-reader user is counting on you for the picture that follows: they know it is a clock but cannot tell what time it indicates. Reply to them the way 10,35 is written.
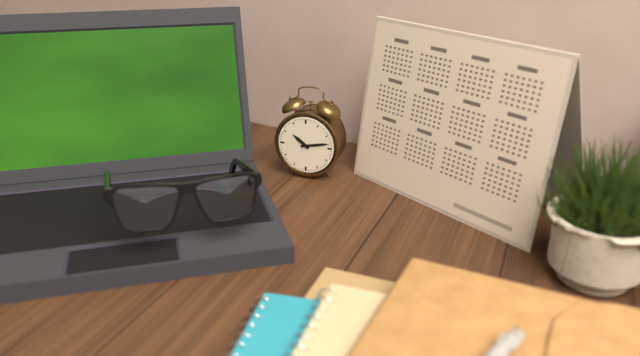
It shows 10,13
